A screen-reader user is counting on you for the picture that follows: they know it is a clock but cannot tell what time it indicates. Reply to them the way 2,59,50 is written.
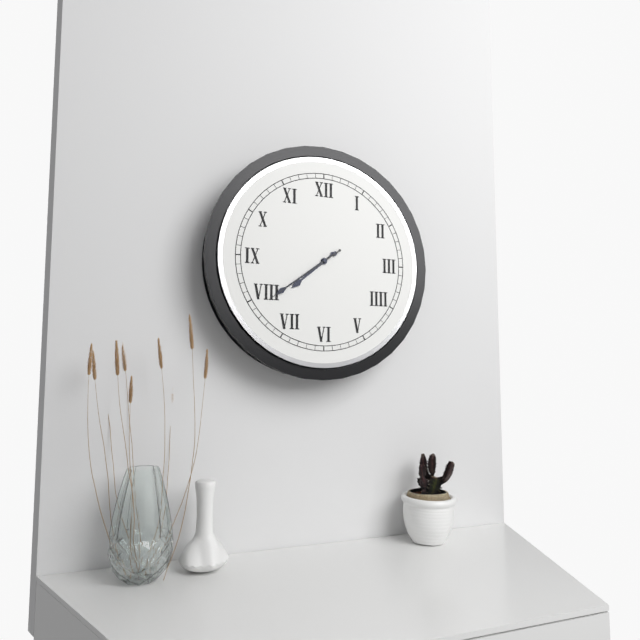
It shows 7,39,39
